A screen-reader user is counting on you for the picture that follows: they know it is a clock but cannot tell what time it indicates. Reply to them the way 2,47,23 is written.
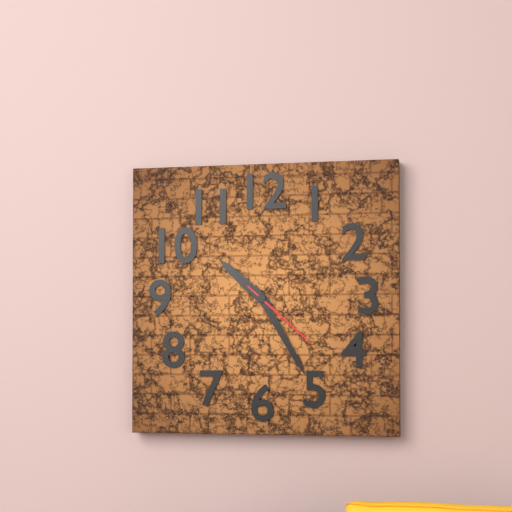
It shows 10,25,22
